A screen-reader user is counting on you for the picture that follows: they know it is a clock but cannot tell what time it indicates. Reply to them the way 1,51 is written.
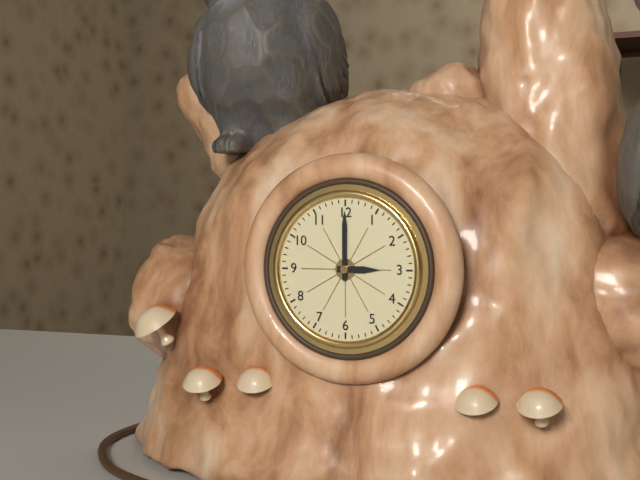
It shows 3,00
